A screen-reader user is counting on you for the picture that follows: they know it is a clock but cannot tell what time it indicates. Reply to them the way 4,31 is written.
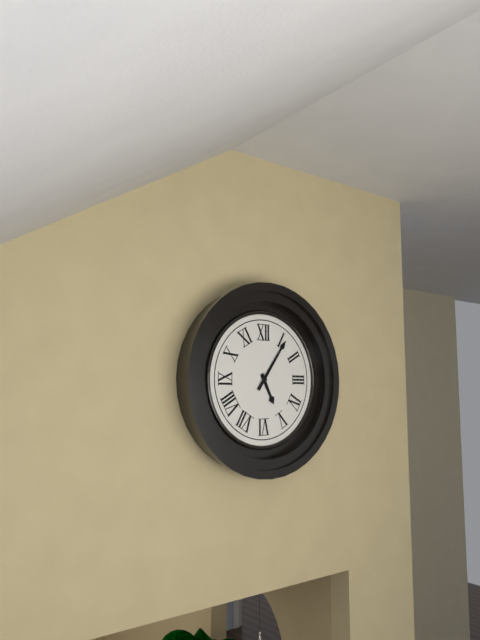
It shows 5,06
